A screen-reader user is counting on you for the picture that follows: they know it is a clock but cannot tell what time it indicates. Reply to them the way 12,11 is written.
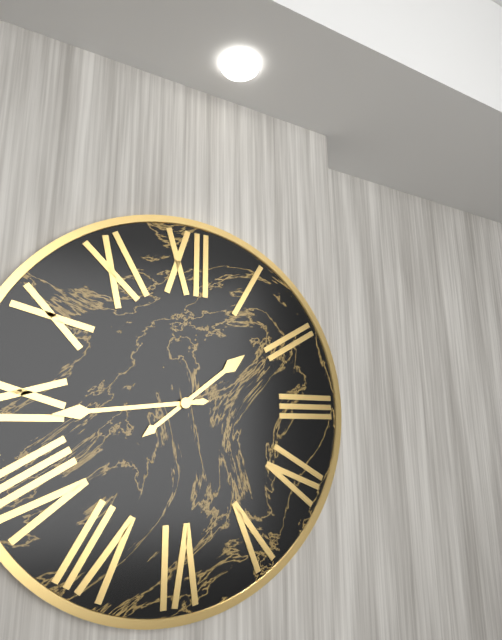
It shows 1,44
